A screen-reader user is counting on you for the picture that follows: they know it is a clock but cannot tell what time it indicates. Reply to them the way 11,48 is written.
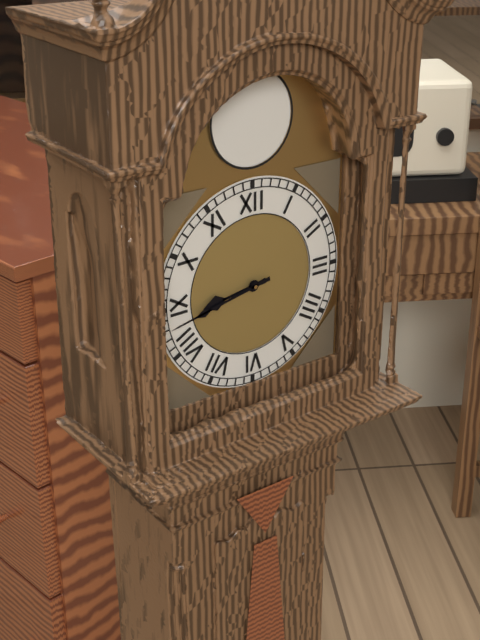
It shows 8,43
